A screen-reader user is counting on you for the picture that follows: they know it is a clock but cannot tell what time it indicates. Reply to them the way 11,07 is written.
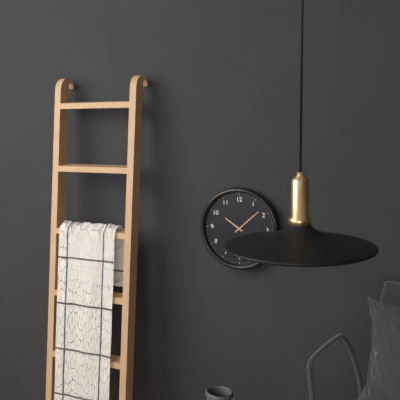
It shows 10,08
